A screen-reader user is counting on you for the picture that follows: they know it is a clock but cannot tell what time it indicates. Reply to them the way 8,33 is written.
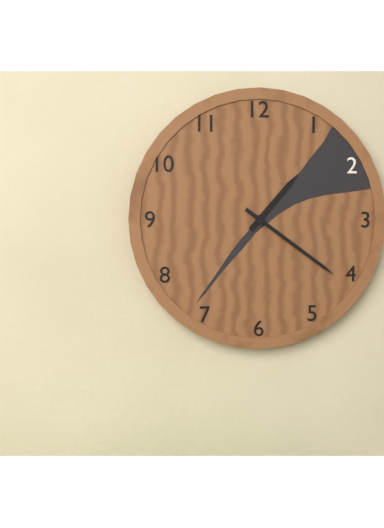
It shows 1,21
